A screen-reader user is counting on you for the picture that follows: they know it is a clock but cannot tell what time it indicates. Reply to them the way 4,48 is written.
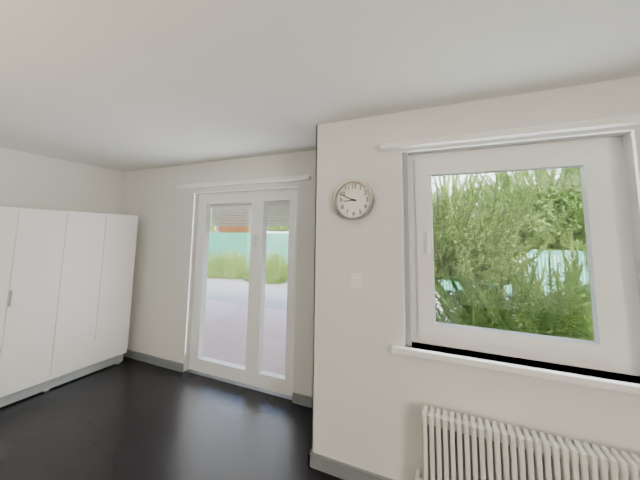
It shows 8,49
